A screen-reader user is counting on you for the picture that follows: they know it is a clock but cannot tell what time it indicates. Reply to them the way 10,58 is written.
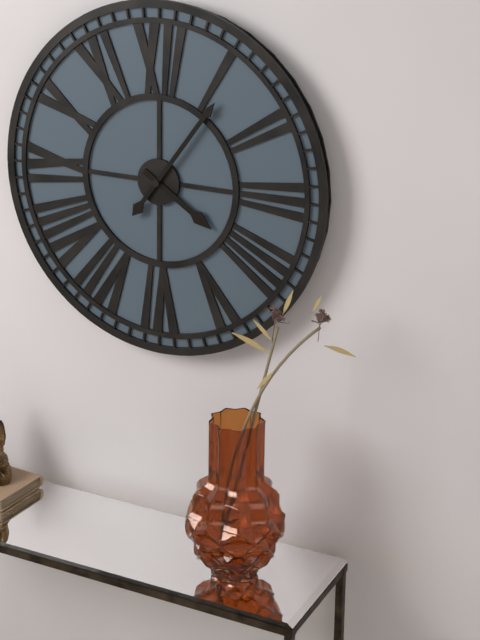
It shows 4,06
